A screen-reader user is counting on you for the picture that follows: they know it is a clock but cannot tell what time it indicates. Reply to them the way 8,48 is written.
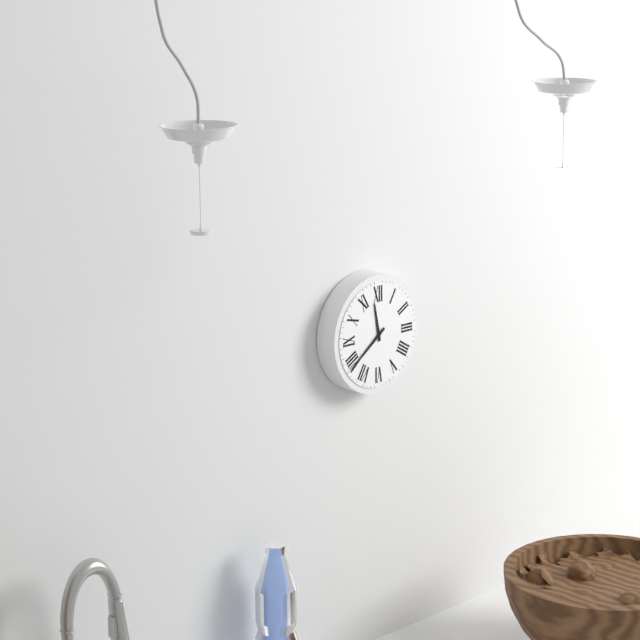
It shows 11,39
